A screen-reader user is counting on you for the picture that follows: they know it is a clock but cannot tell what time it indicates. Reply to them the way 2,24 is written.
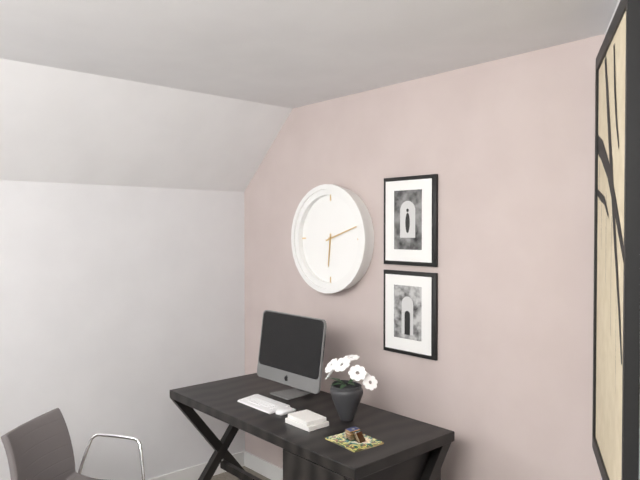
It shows 6,12
